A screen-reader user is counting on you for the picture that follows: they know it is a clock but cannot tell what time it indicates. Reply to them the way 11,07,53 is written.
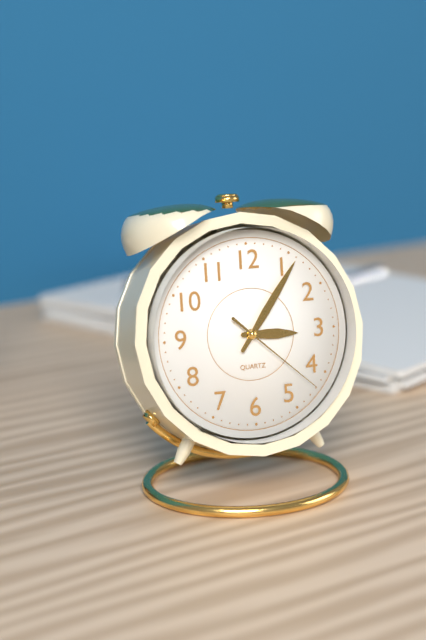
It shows 3,06,22
